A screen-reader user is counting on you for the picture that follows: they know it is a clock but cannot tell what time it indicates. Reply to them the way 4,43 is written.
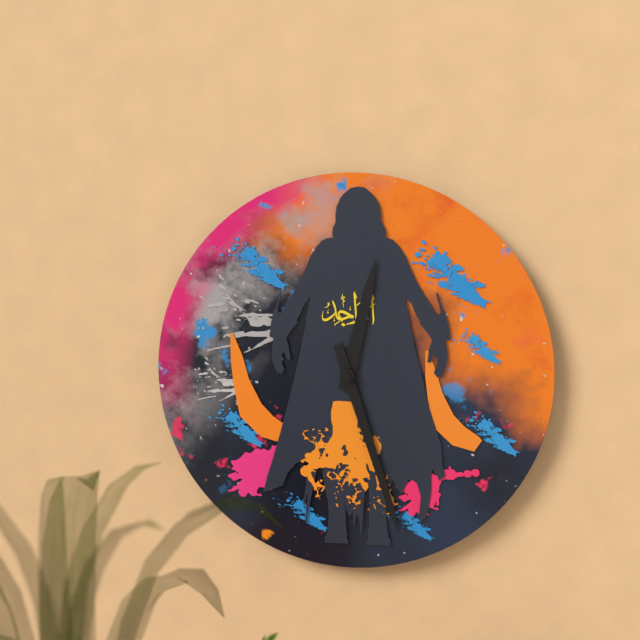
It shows 12,27
